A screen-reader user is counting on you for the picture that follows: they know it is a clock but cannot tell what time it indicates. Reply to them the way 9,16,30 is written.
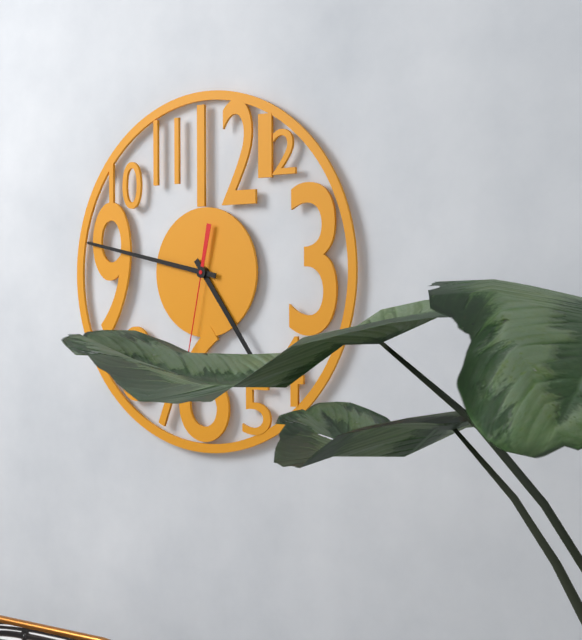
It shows 4,47,32
